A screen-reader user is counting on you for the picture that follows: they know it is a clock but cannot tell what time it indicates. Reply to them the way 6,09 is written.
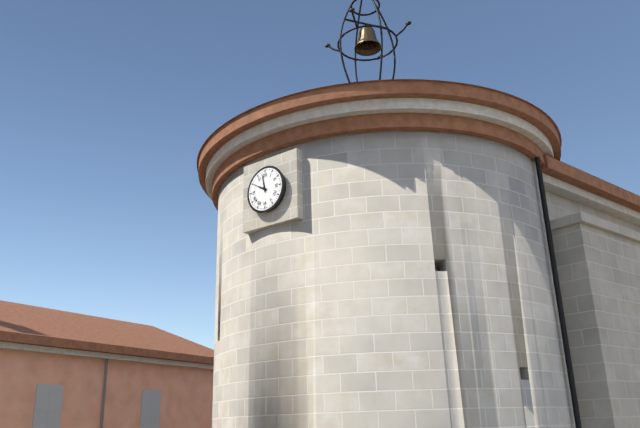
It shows 9,58
